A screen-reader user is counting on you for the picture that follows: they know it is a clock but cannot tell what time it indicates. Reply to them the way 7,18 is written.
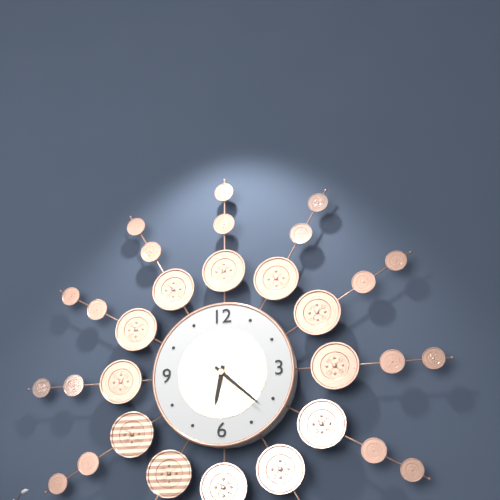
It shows 6,22
